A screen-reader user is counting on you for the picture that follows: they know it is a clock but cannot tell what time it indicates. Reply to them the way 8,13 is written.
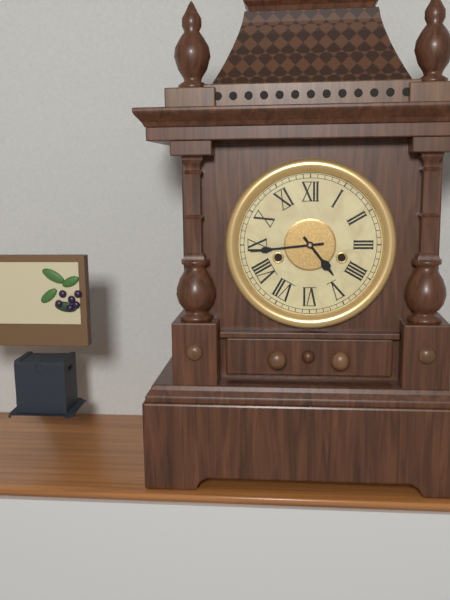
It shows 4,44
